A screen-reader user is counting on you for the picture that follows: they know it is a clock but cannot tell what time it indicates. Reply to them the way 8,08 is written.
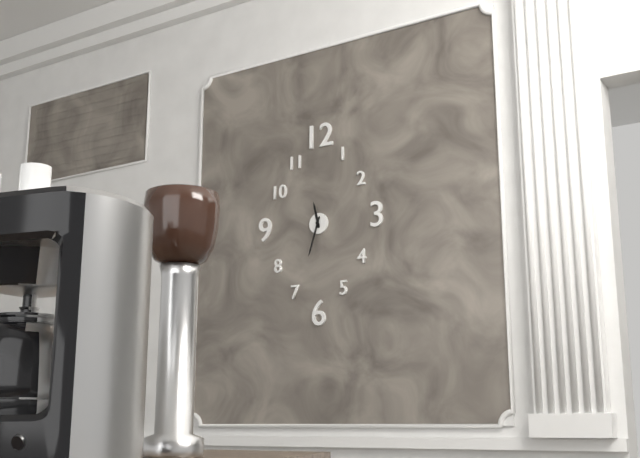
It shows 11,33
